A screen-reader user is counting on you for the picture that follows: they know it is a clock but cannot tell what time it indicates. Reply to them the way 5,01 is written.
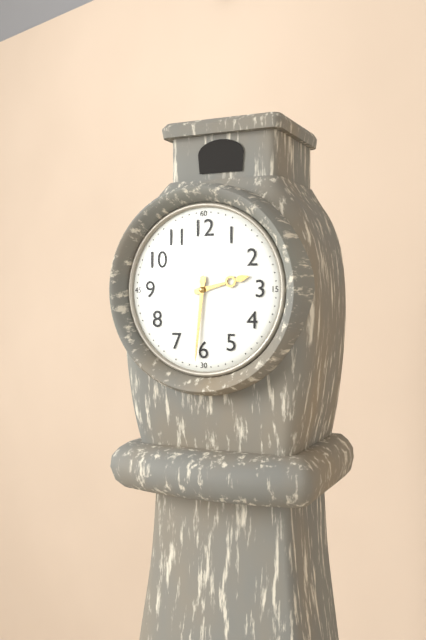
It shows 2,31
